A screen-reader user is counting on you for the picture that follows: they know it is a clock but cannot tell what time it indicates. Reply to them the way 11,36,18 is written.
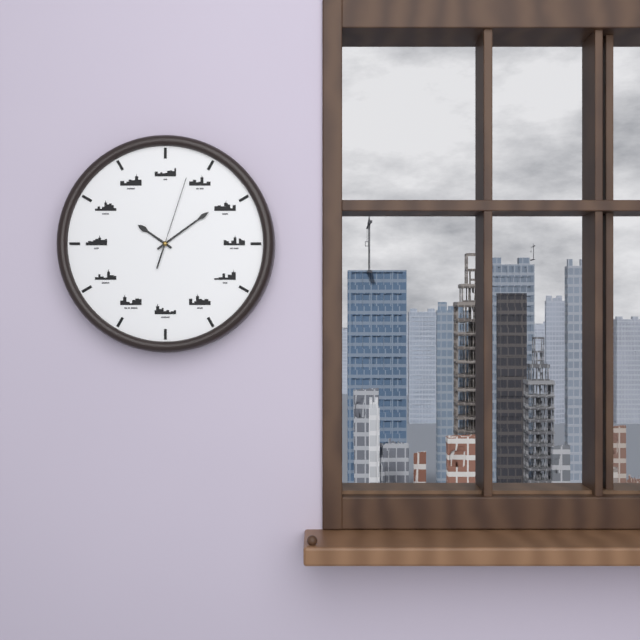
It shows 10,09,03
